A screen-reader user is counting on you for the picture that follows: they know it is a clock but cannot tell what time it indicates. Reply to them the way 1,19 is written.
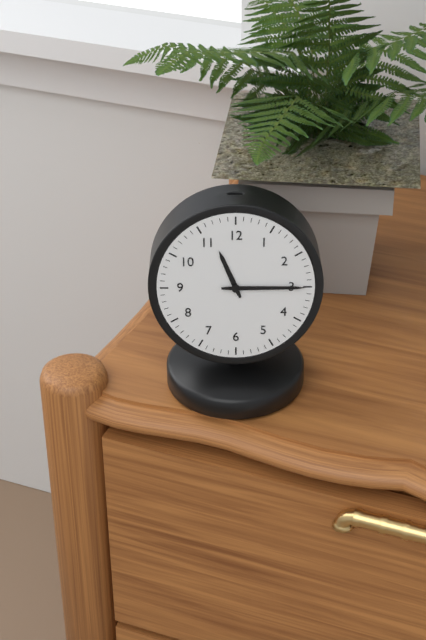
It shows 11,15
